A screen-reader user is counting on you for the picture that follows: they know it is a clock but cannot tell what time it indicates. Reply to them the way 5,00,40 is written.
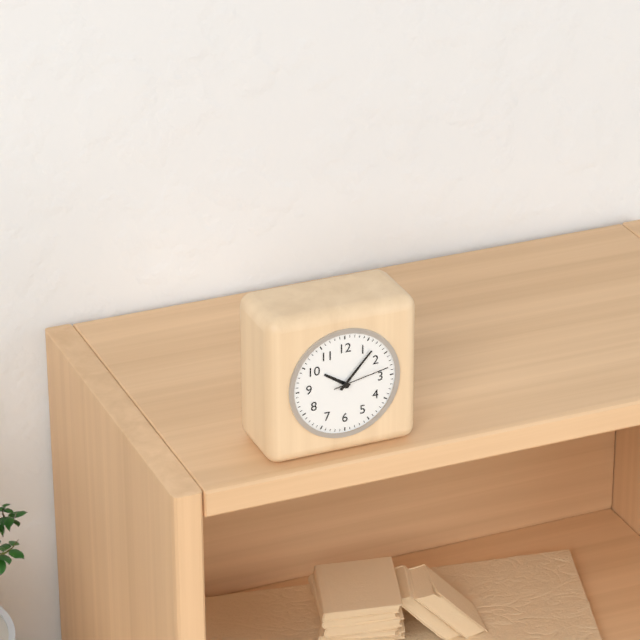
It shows 10,07,13
